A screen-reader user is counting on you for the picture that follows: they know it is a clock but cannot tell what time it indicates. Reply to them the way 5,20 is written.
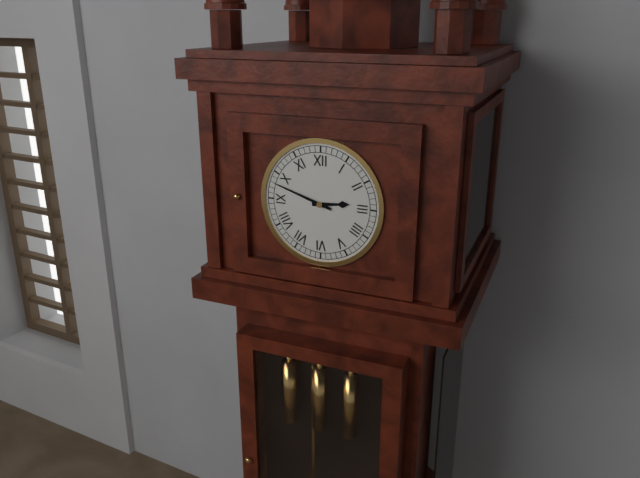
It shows 2,48
